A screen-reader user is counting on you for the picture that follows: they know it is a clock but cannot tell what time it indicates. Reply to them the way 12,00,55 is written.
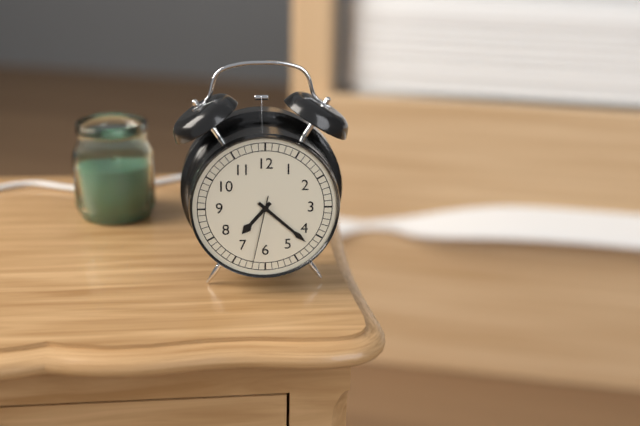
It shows 7,22,32
